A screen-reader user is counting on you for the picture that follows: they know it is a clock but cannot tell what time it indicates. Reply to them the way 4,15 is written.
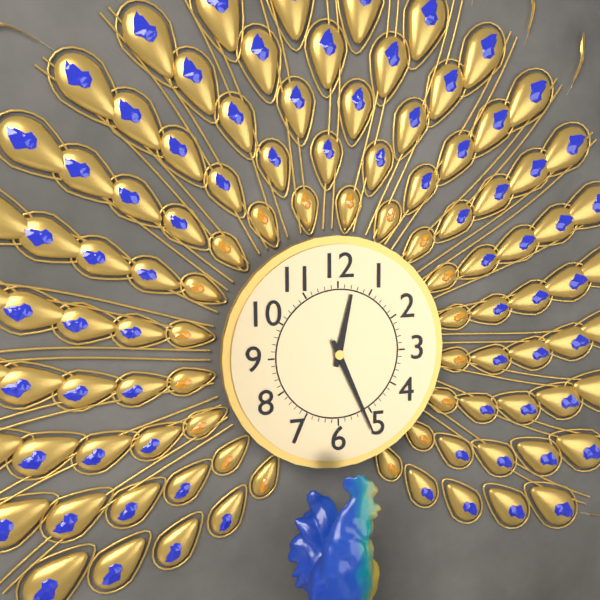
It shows 12,26
